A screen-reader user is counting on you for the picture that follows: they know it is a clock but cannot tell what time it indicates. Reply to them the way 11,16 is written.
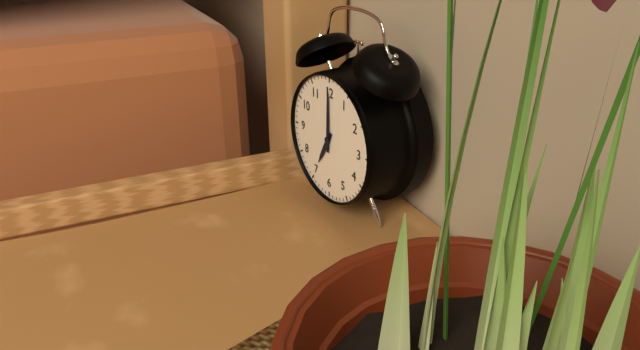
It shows 7,00
